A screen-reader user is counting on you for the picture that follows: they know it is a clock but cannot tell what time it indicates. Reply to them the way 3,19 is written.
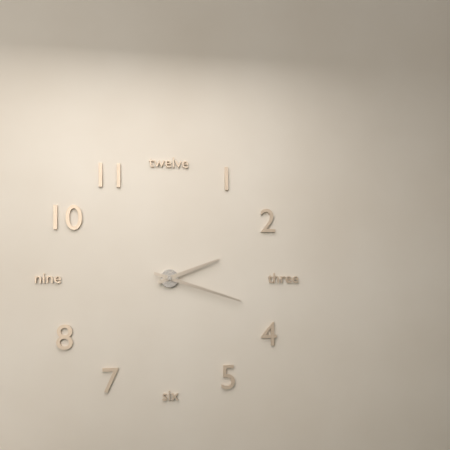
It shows 2,18
